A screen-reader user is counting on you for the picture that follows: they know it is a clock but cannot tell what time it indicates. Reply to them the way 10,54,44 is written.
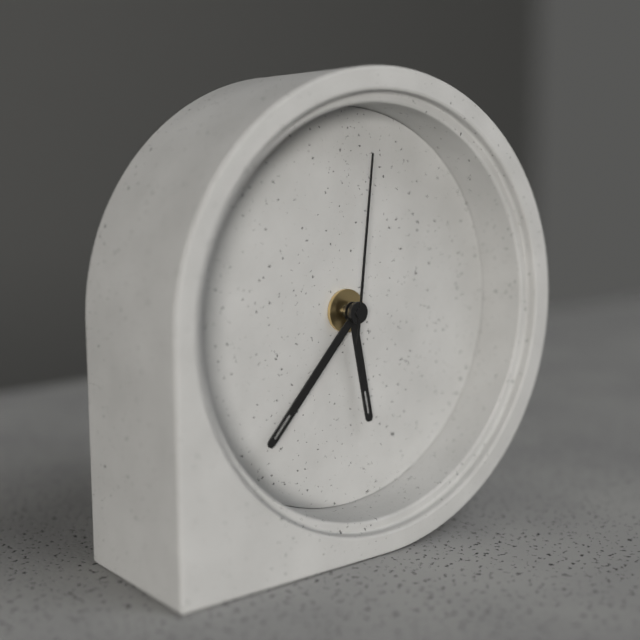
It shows 5,37,01
